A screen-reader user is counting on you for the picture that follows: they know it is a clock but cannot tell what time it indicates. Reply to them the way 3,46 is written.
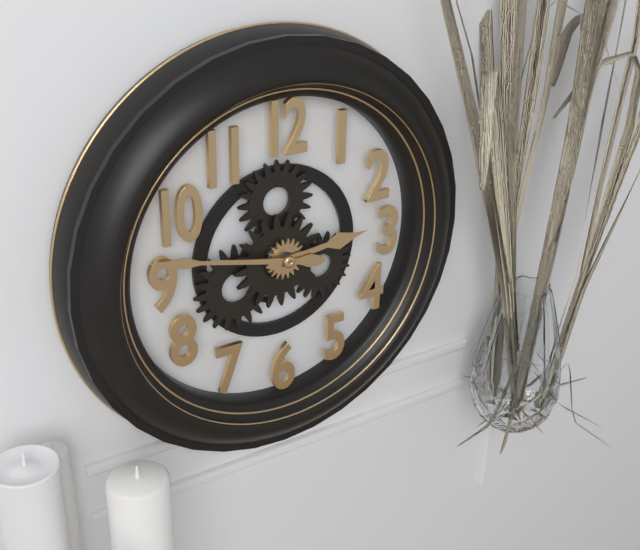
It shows 2,47
